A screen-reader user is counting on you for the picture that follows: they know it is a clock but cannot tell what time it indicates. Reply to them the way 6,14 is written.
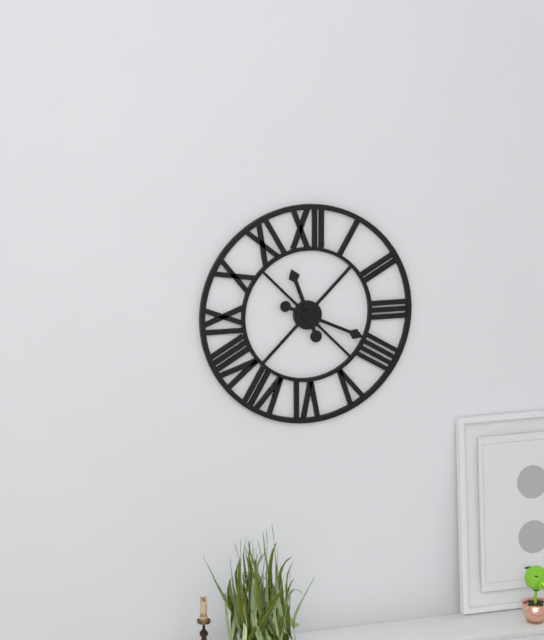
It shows 11,19
